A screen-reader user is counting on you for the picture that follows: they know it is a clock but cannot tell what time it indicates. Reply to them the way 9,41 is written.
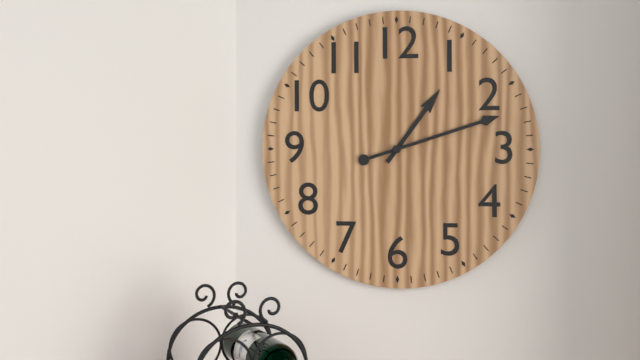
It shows 1,12
